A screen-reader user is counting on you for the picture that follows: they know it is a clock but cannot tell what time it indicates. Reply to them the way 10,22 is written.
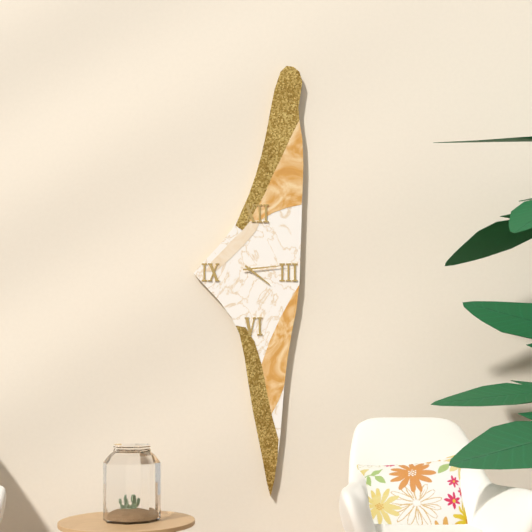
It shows 4,14
